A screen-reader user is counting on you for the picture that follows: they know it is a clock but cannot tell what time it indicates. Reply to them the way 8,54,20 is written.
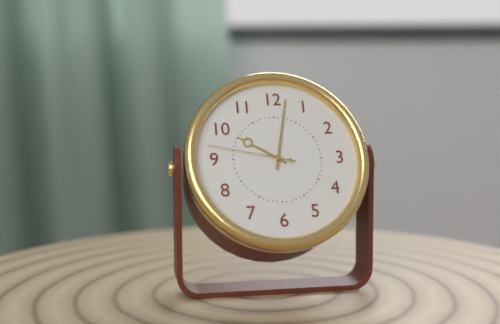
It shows 10,02,47
